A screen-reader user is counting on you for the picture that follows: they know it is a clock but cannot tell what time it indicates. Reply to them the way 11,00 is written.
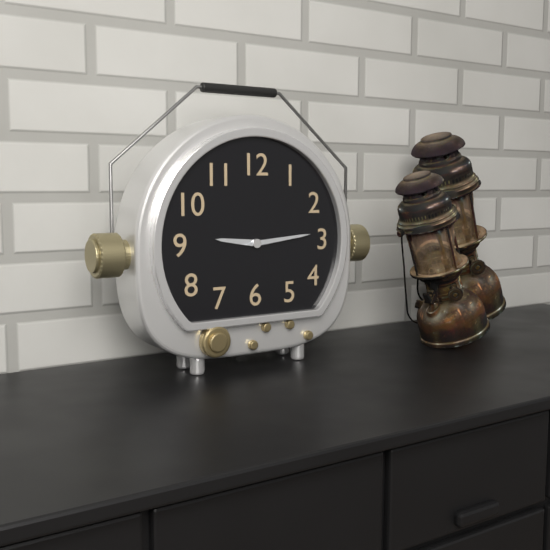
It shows 9,14
